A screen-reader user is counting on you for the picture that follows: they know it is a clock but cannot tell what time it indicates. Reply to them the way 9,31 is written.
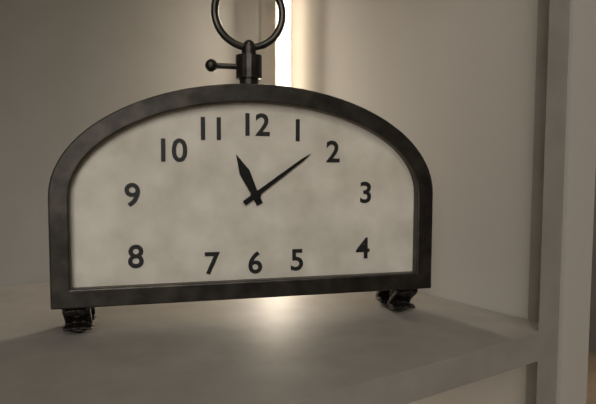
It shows 11,09
